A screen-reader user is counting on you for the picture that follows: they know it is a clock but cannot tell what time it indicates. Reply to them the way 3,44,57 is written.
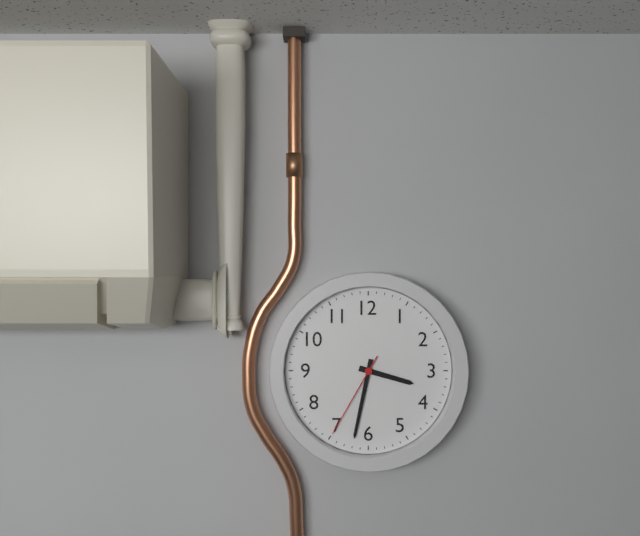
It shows 3,32,35
